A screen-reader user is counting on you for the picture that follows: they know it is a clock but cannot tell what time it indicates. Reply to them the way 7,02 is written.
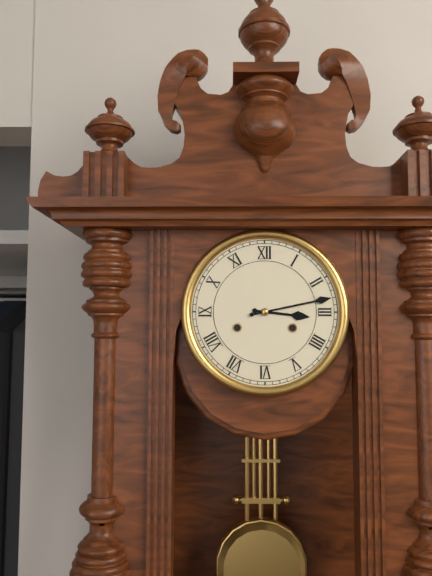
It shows 3,13
